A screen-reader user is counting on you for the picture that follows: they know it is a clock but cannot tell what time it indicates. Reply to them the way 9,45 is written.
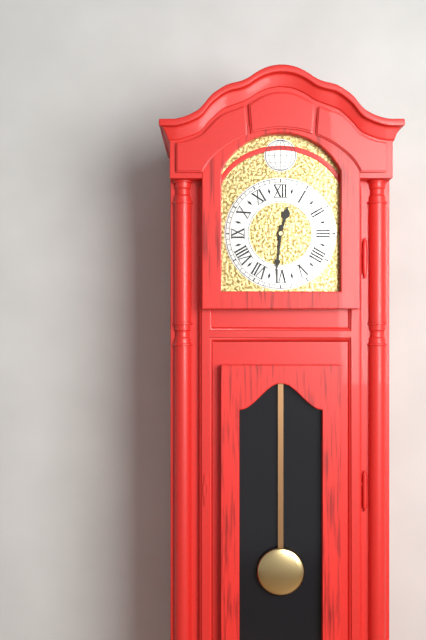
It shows 12,31
